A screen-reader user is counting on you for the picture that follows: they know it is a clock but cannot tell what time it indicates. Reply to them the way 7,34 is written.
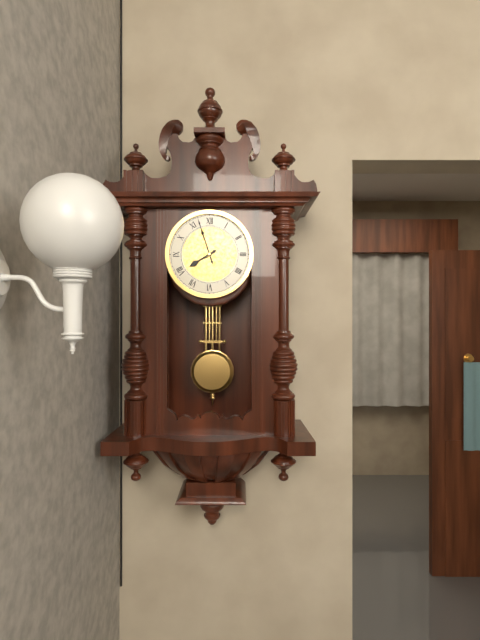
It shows 7,57
